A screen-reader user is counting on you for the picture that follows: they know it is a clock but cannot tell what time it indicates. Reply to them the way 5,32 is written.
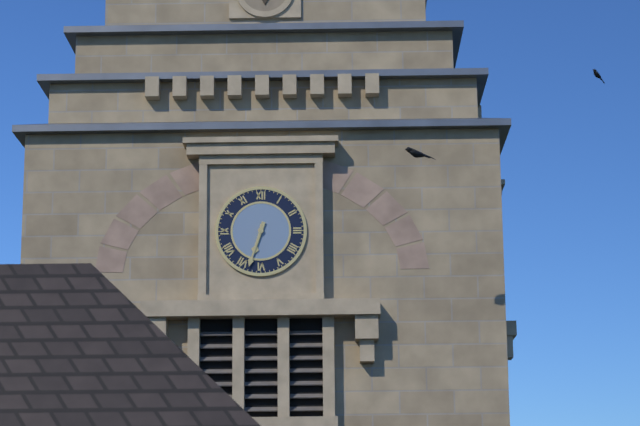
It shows 6,33
